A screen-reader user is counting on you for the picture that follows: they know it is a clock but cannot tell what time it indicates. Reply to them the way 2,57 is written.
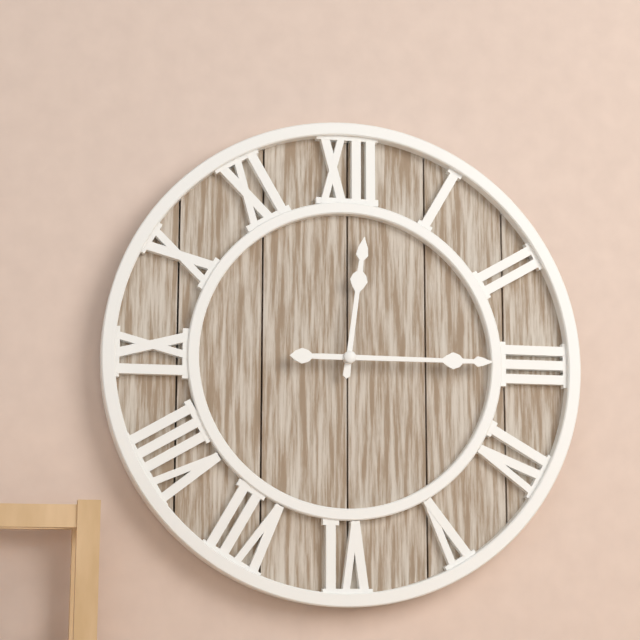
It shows 12,15
